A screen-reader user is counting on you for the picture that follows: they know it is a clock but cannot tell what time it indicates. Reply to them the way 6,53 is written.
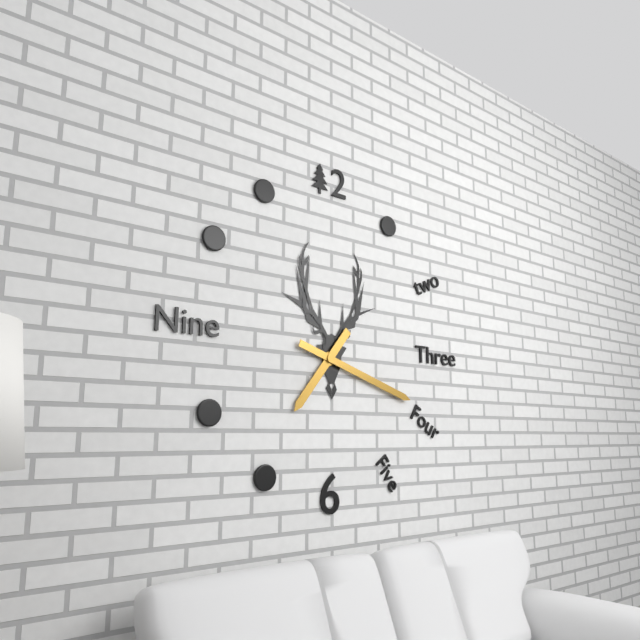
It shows 7,18
